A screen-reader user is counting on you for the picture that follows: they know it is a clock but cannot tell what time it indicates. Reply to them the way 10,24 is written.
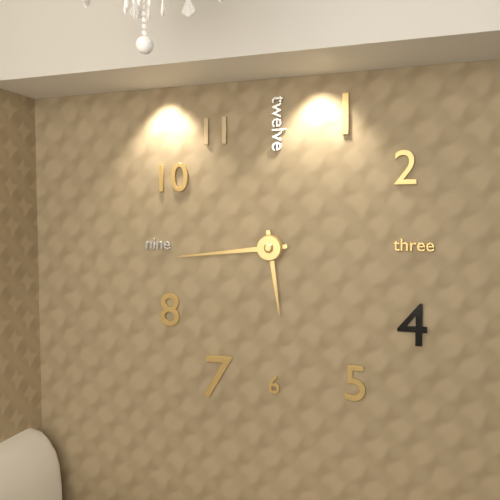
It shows 5,44
